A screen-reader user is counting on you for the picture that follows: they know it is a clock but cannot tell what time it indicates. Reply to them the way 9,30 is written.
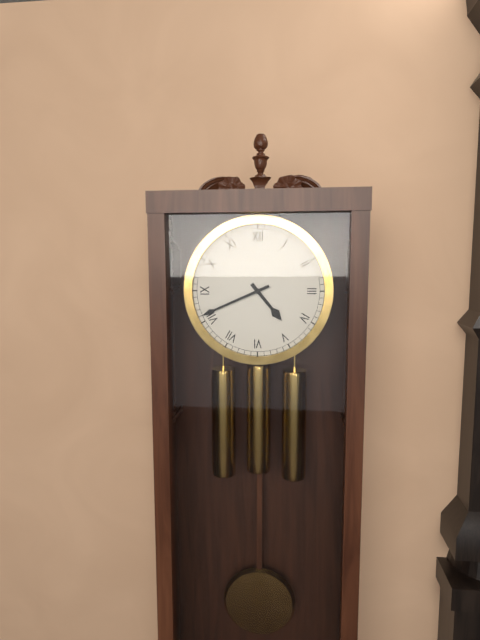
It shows 4,41
